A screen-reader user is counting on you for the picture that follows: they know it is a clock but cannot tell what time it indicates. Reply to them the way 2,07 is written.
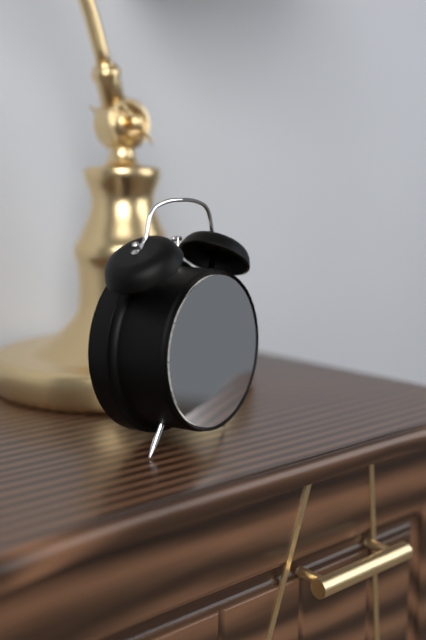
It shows 1,09
